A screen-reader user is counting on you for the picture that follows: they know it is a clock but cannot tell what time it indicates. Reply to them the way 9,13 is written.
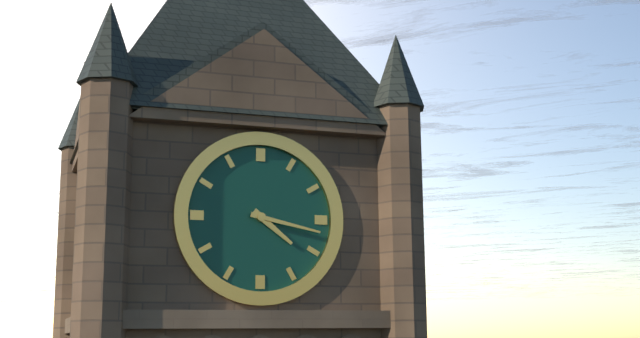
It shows 4,17
